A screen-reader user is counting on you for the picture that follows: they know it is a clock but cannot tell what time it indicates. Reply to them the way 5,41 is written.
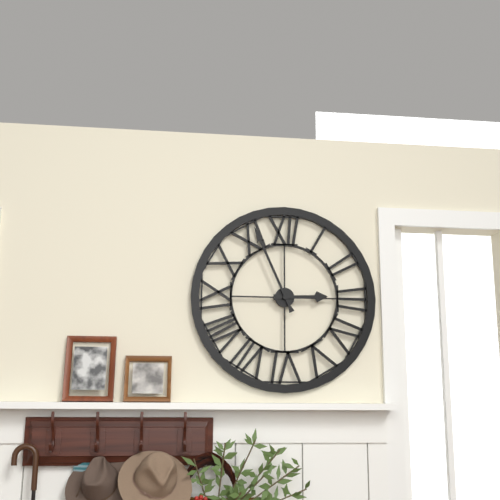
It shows 2,56
